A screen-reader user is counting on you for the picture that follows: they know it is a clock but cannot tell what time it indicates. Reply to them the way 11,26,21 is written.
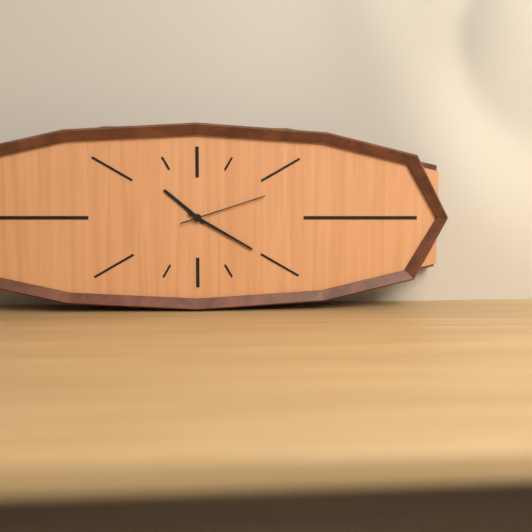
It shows 10,20,12
